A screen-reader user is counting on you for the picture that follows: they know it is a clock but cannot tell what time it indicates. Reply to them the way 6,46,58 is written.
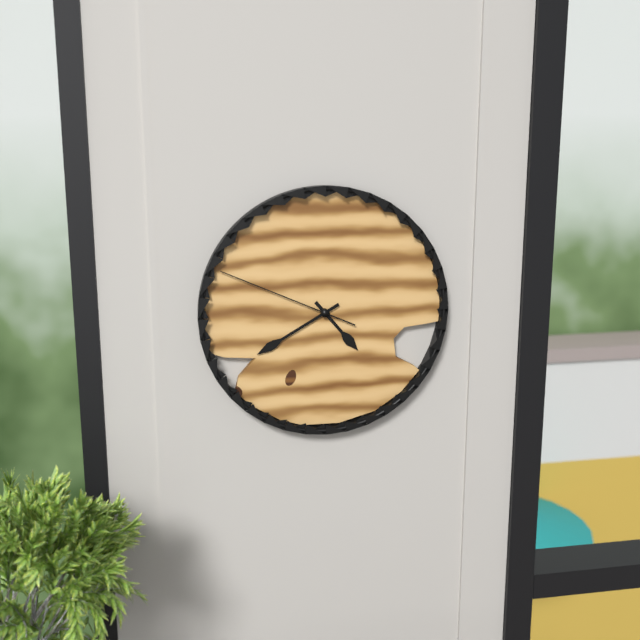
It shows 4,40,49
